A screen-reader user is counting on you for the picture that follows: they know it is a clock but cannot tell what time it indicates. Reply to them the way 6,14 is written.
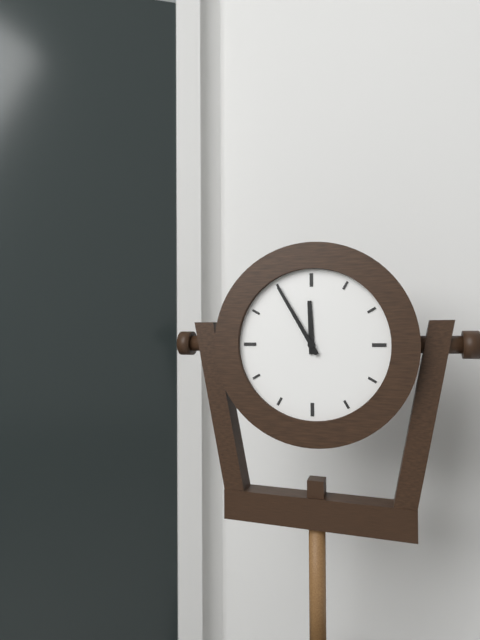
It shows 11,55
